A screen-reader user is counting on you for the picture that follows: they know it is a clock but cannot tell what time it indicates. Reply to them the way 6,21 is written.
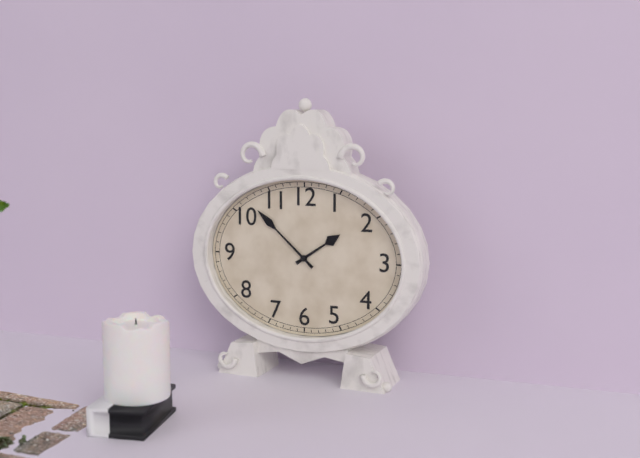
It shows 1,52
